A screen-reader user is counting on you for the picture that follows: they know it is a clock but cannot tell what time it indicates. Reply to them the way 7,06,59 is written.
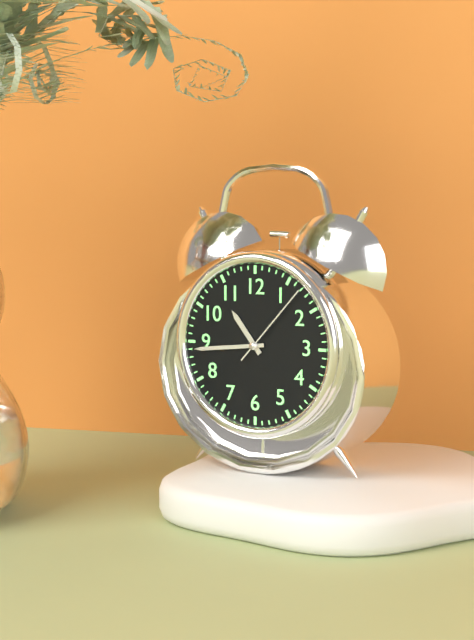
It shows 10,44,07
